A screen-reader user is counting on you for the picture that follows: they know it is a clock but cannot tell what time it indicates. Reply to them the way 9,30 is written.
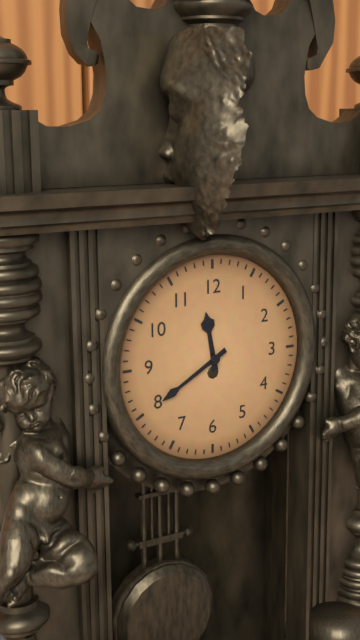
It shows 11,40
